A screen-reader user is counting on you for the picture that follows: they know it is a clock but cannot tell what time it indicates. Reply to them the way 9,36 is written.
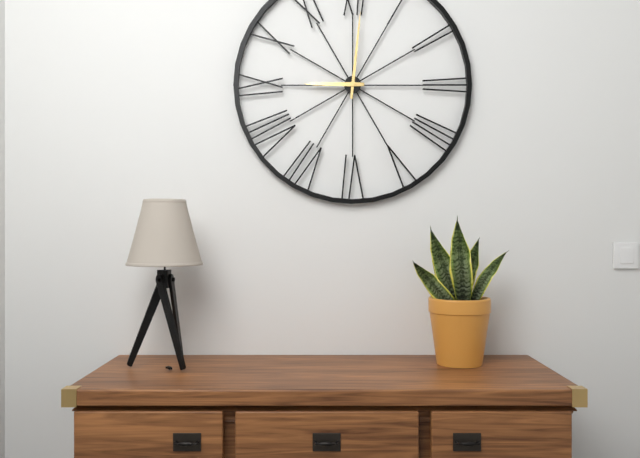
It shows 9,01
